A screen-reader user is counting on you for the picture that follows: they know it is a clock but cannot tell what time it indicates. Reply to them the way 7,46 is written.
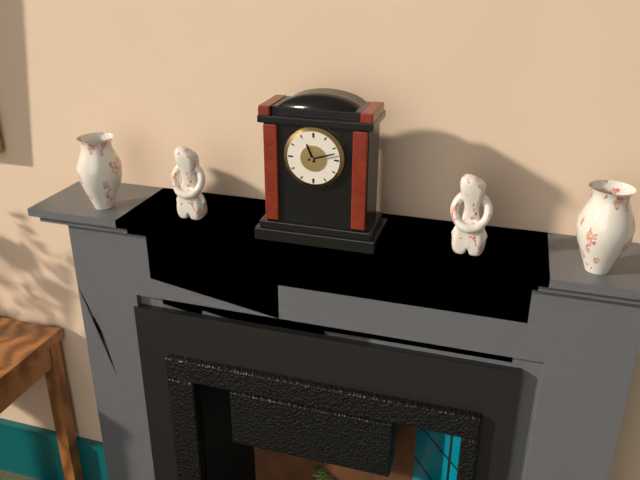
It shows 11,12
